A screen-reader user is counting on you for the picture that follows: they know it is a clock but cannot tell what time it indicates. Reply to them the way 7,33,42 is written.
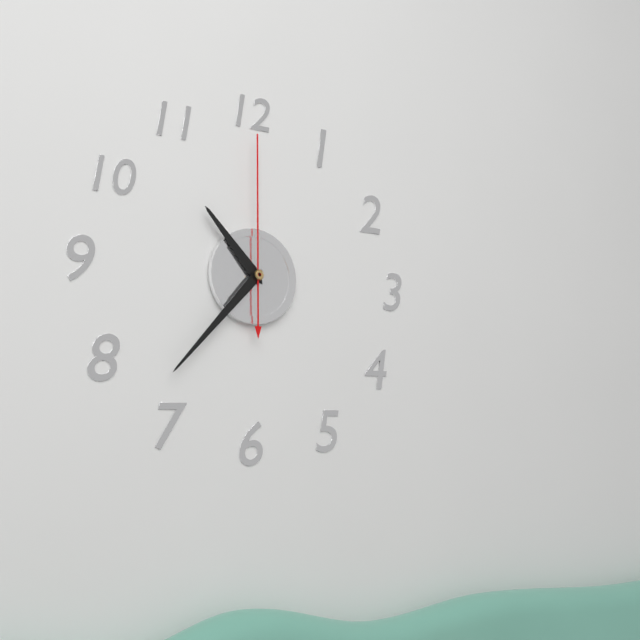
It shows 10,37,00
